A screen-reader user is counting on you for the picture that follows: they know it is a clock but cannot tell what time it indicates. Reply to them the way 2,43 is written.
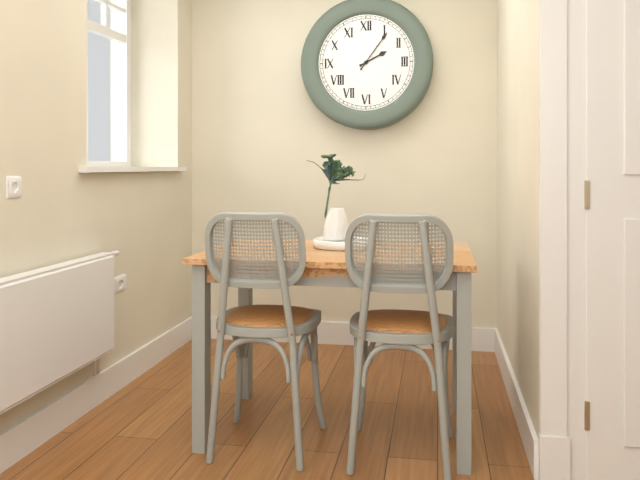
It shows 2,06
